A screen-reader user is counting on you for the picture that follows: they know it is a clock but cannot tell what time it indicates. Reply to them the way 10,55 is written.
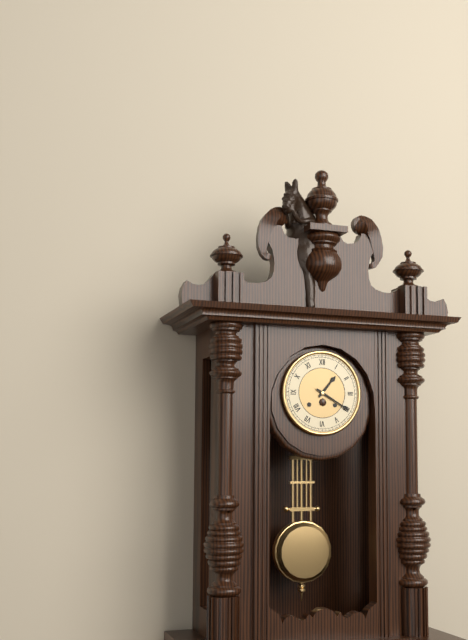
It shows 1,20
